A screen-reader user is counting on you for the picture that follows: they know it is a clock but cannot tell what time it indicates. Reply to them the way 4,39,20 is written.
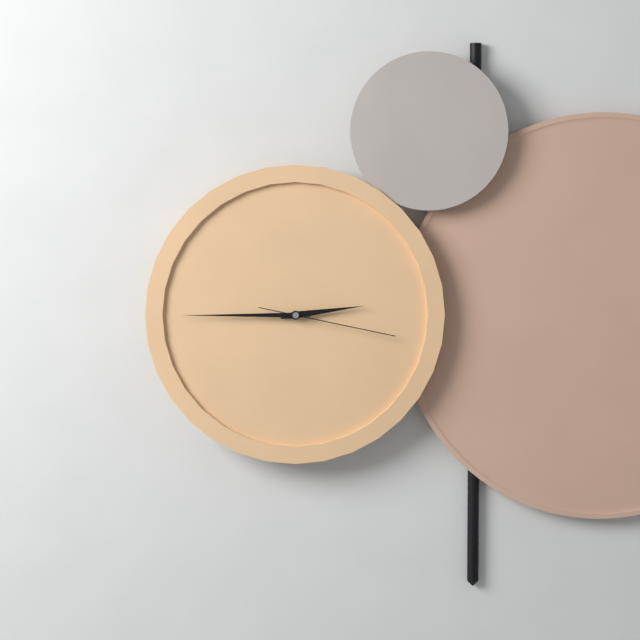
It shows 2,45,17
